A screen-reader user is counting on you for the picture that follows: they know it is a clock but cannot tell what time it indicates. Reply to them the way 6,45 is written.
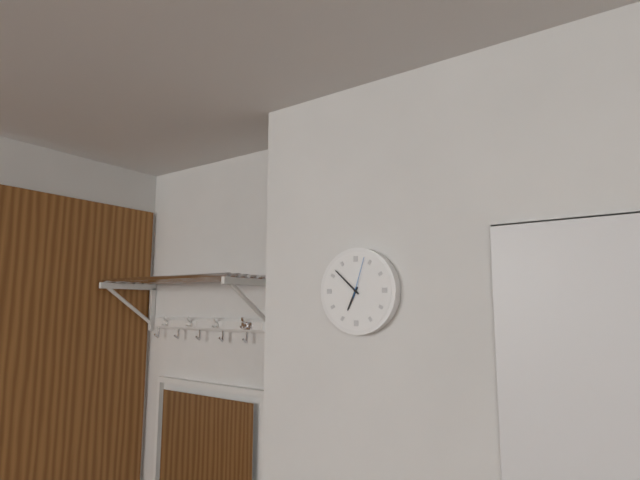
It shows 6,52
